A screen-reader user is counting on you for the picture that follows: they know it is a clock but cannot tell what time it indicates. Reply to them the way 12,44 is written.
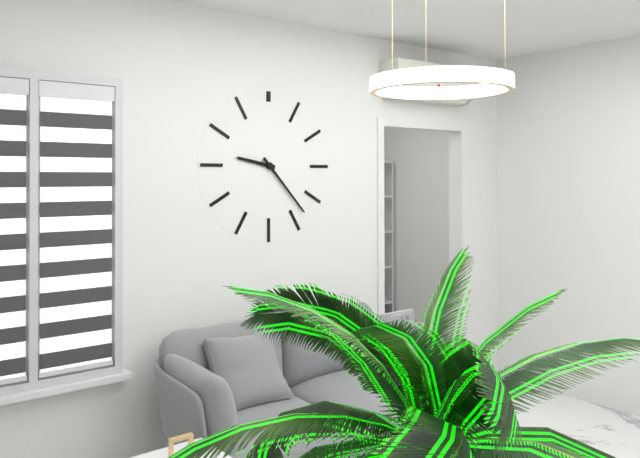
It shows 9,23
